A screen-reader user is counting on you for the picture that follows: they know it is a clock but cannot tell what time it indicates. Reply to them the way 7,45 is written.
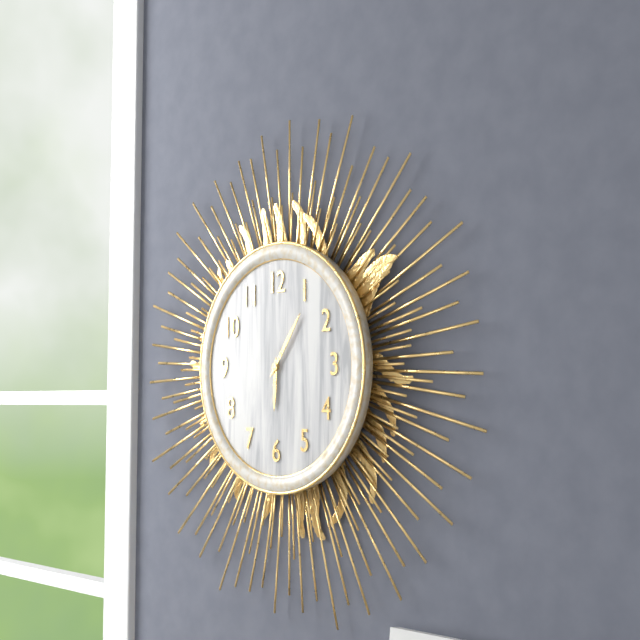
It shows 6,06
